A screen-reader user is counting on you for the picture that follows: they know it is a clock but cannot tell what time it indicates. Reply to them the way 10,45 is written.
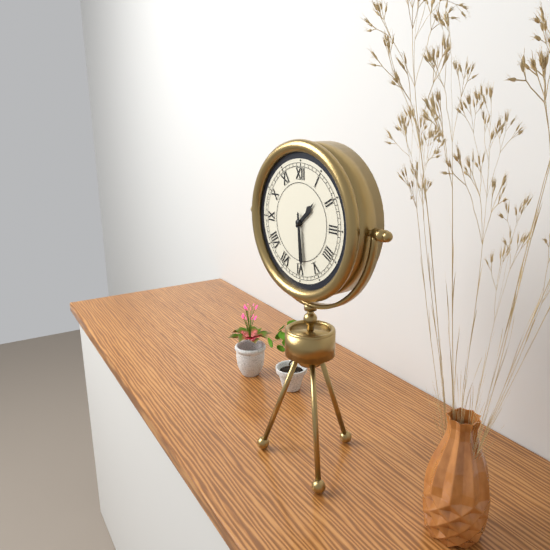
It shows 1,29
